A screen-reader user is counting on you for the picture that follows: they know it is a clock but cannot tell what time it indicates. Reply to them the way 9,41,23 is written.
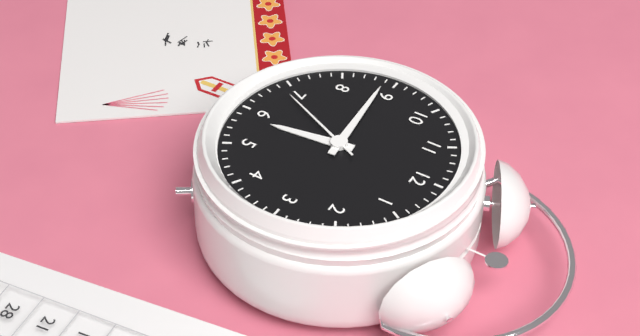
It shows 5,44,34
